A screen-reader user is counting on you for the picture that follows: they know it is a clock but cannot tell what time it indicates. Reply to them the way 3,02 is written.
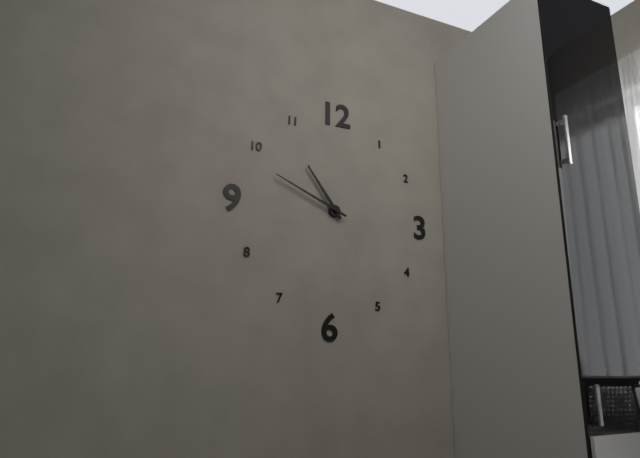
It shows 10,49
